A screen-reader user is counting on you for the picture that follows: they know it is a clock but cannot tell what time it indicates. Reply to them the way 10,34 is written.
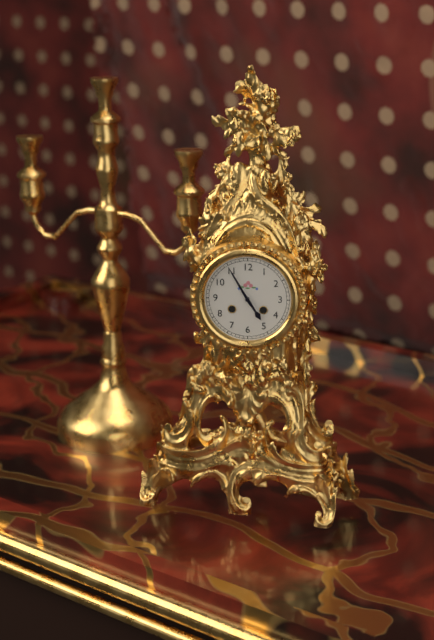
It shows 4,55
